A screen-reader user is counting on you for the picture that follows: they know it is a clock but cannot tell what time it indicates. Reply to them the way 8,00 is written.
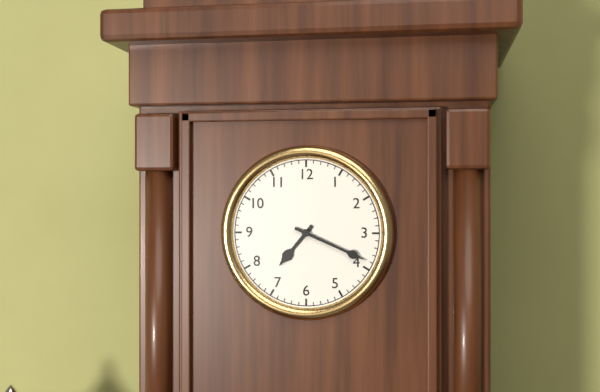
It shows 7,19
